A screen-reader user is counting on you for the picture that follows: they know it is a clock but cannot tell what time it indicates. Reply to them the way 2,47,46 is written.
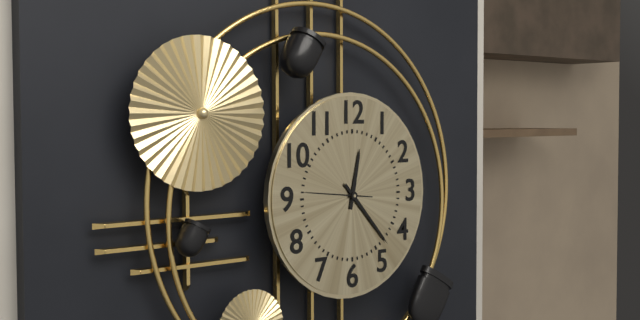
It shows 12,23,46
